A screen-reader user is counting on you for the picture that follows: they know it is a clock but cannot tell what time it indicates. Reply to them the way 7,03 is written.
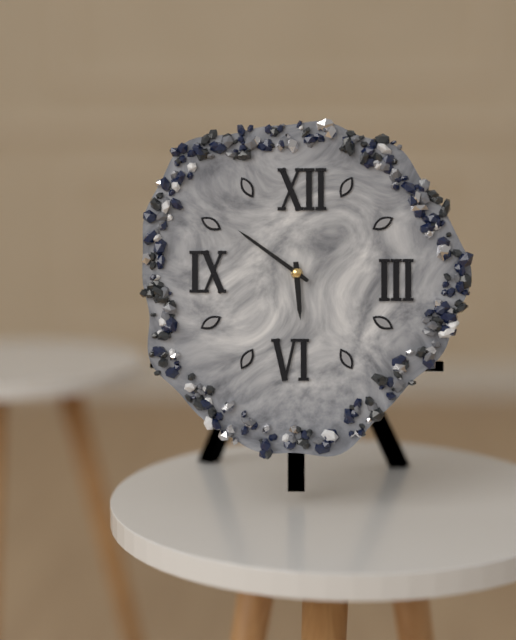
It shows 5,51
